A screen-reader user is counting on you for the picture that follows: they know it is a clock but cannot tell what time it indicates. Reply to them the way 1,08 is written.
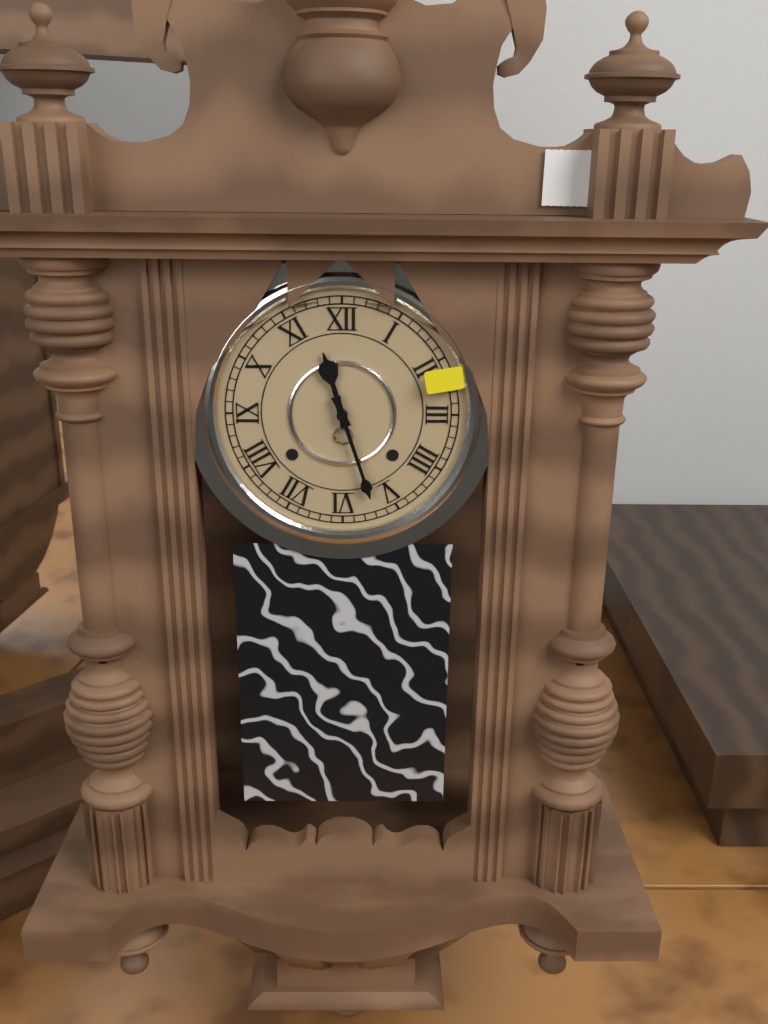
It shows 11,27
